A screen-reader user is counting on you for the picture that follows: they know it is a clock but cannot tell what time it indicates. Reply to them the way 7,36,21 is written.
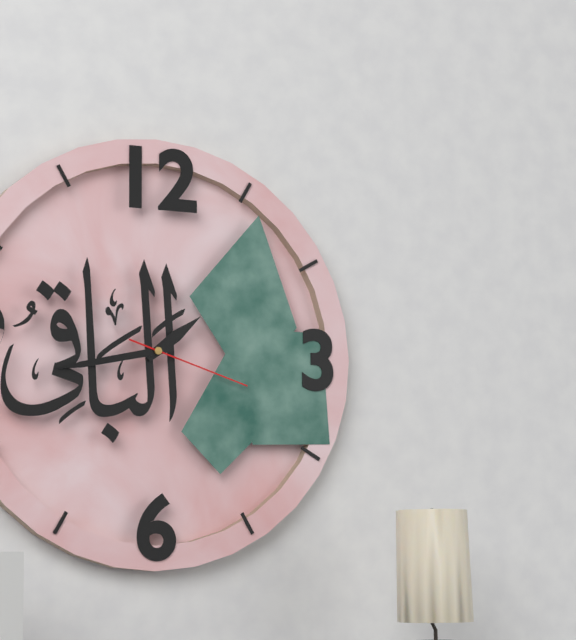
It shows 1,43,18
